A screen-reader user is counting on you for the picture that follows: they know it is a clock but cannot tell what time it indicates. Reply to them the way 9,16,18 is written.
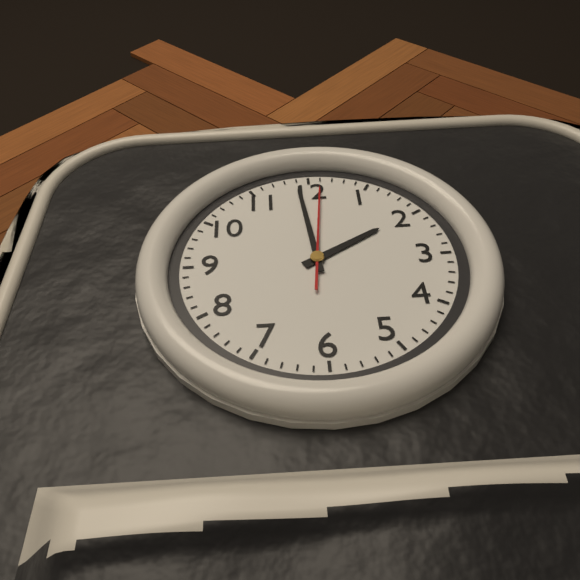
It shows 1,59,01
